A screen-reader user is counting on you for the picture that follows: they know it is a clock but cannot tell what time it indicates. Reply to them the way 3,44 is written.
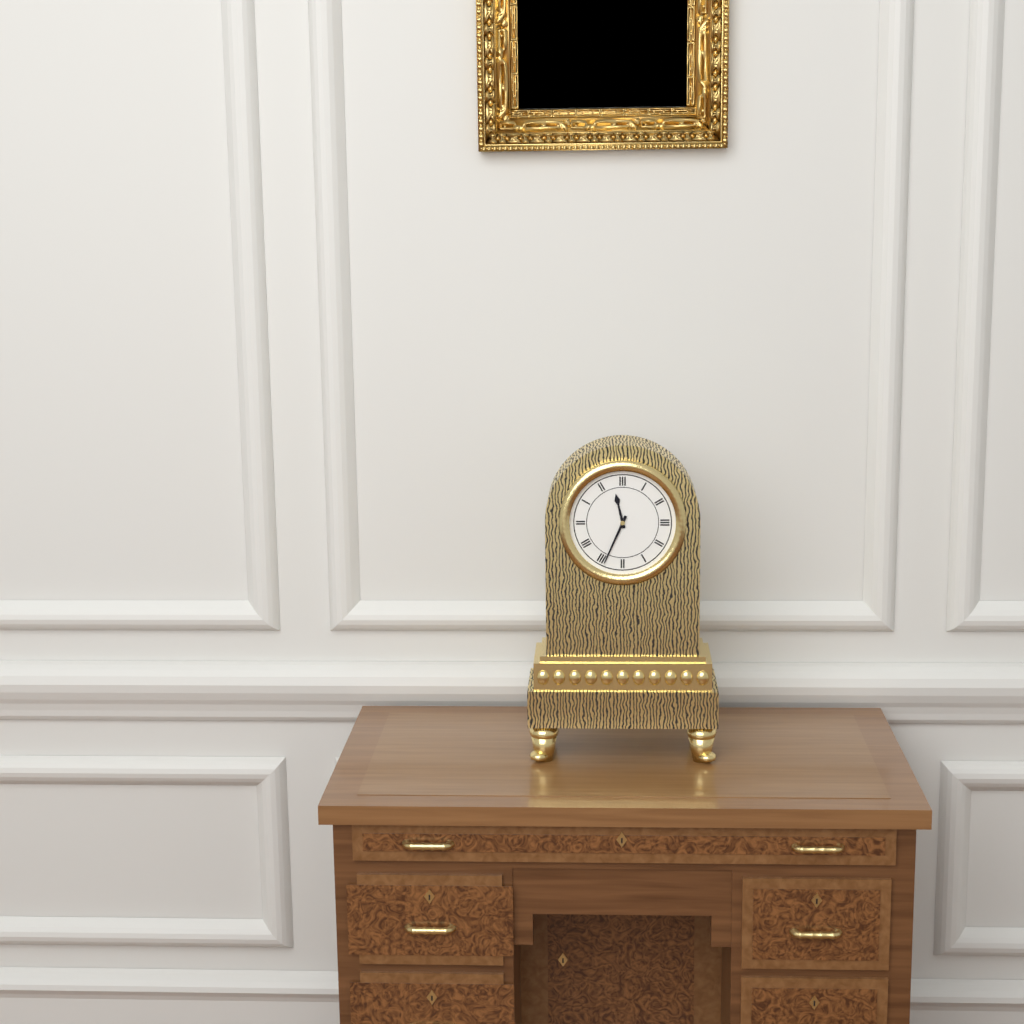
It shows 11,34
